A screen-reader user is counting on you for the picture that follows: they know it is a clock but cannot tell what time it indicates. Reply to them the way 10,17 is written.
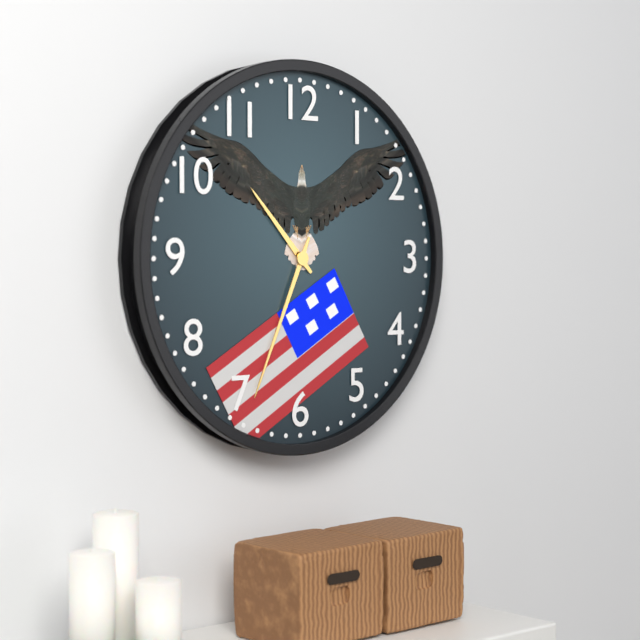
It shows 10,34
